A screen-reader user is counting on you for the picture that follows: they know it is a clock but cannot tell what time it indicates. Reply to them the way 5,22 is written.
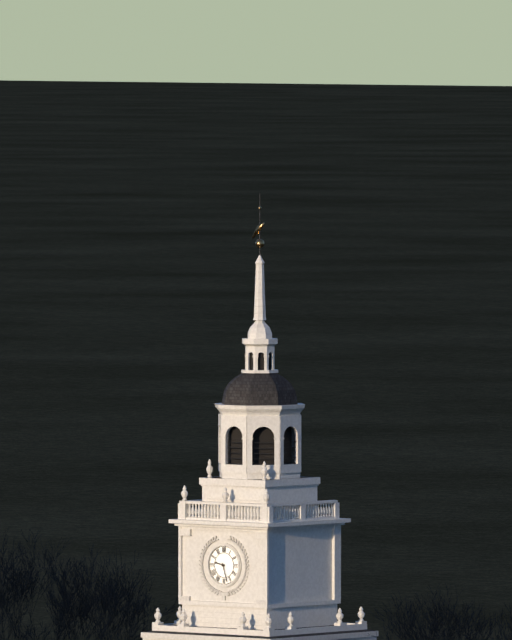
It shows 9,27
